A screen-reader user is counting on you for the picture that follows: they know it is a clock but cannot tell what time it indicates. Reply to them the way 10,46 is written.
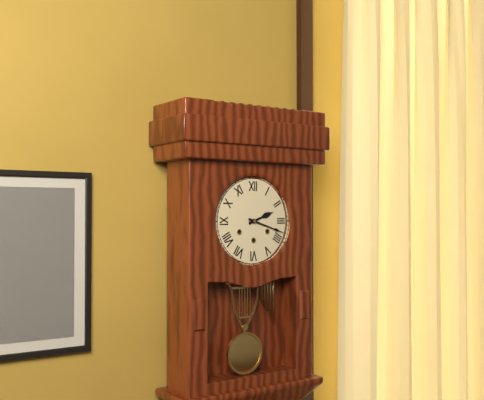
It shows 2,18
